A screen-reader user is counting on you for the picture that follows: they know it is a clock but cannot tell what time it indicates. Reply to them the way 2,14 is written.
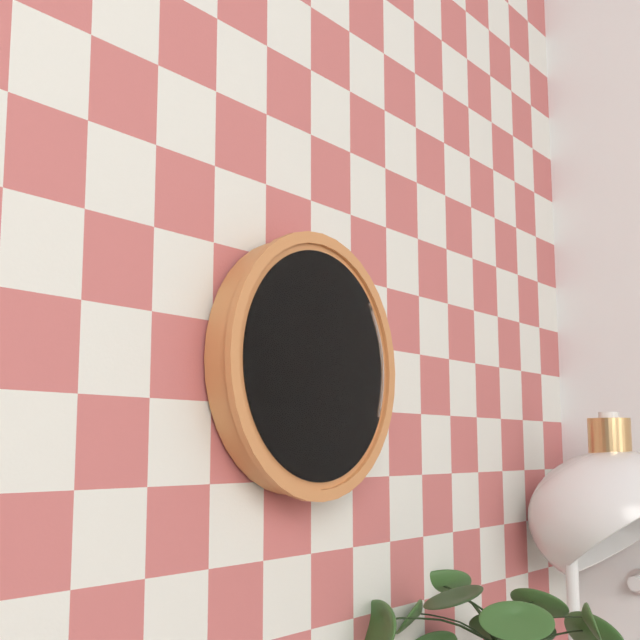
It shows 7,33
